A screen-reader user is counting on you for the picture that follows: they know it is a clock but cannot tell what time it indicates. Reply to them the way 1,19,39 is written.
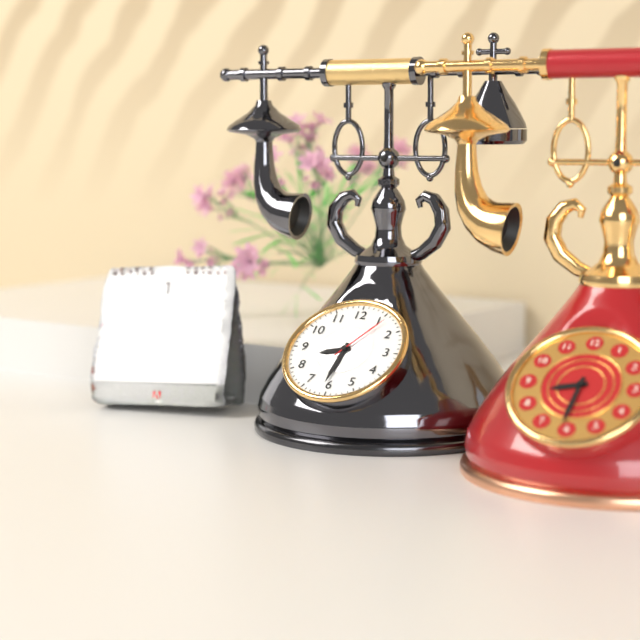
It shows 8,31,06
